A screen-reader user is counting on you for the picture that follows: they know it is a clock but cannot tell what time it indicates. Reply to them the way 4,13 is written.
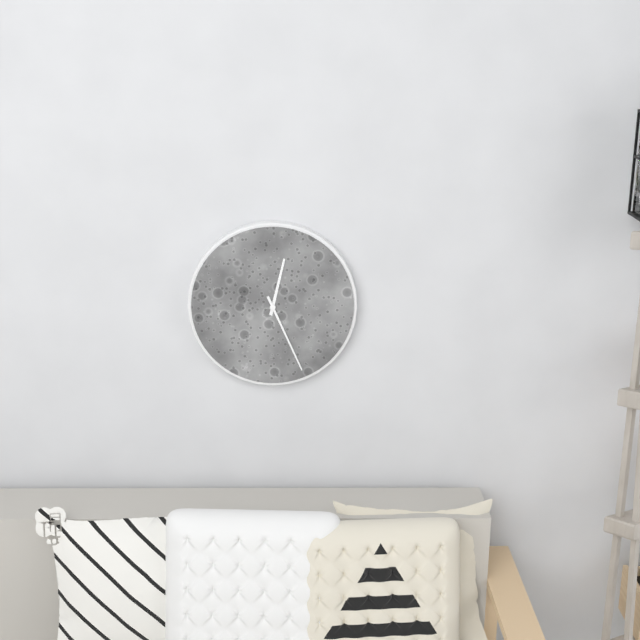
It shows 12,26
